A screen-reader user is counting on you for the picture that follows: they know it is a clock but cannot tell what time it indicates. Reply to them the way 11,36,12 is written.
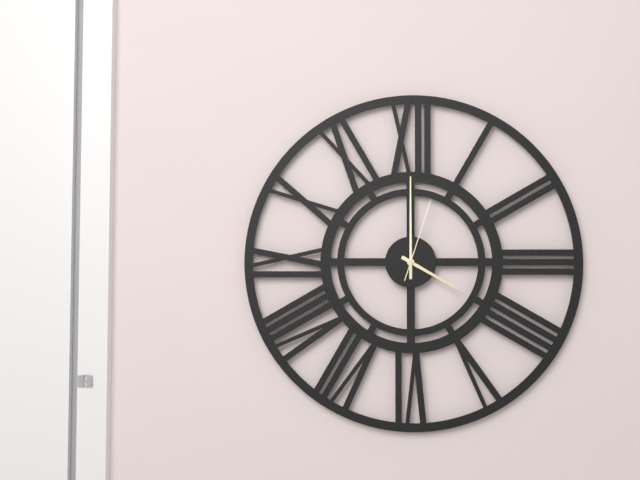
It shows 4,00,03
